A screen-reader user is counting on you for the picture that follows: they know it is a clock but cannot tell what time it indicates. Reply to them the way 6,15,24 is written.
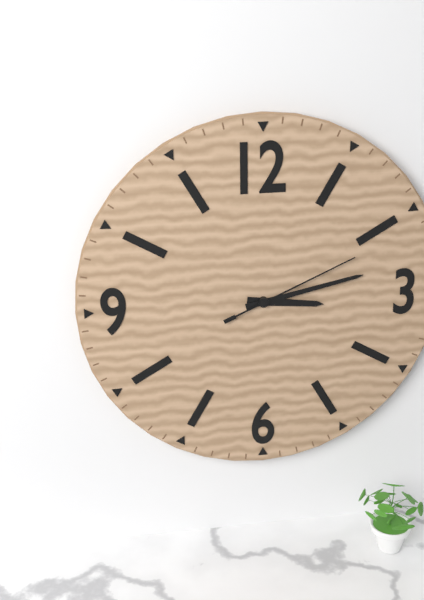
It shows 3,13,11
